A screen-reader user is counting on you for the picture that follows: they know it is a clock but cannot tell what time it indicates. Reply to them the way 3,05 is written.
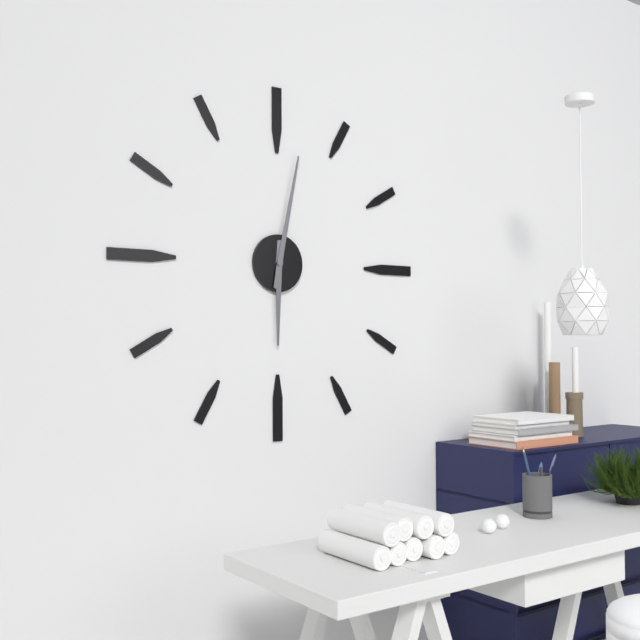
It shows 6,02
